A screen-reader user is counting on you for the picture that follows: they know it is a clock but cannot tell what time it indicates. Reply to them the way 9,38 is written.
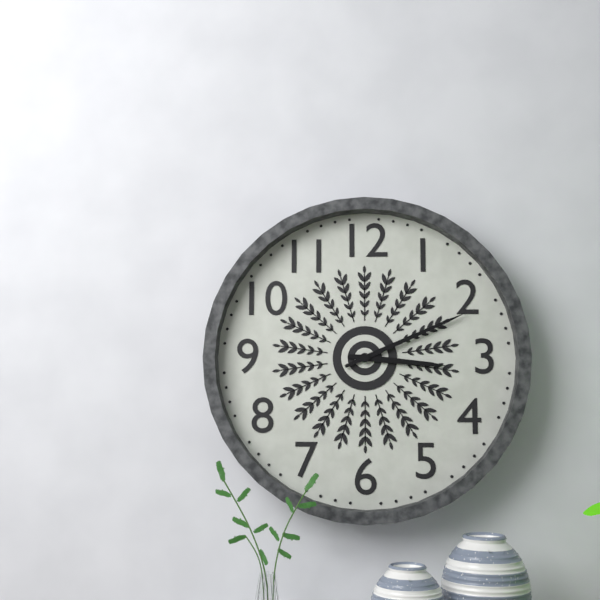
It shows 3,11
